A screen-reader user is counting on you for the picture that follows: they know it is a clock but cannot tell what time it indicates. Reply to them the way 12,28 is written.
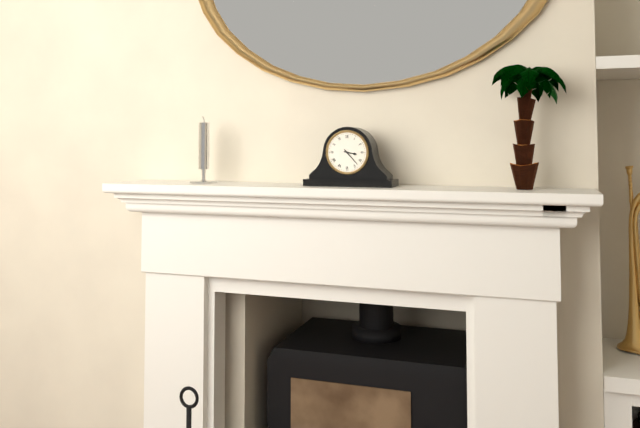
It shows 3,23
